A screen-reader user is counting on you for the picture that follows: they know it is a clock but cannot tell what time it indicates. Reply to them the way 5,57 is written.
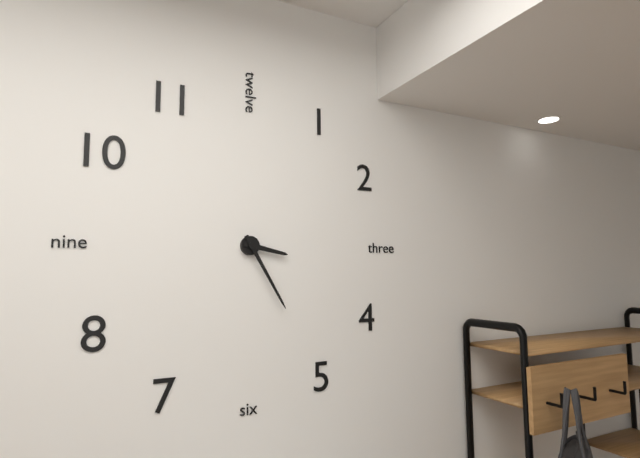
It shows 3,25
